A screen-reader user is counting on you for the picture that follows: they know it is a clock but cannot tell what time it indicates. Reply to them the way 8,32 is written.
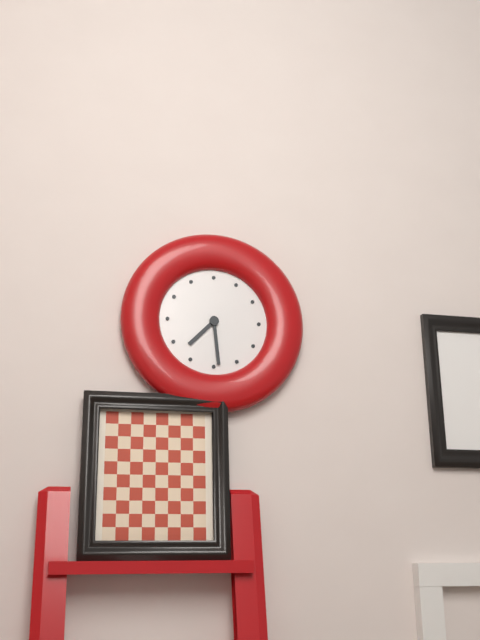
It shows 7,29
